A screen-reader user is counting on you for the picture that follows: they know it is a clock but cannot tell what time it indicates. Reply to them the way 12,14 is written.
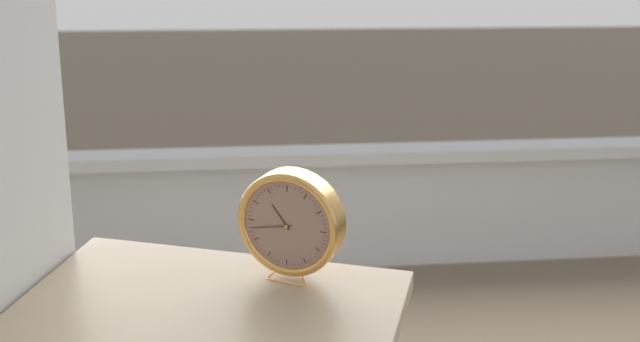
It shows 10,43
